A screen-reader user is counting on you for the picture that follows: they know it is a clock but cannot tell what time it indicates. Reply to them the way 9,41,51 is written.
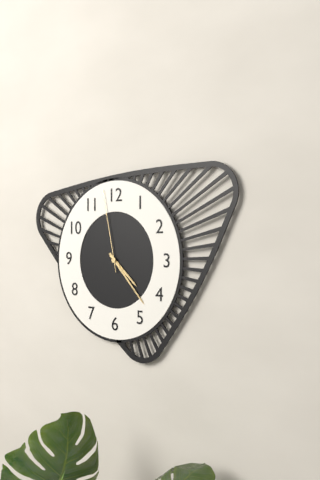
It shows 4,23,58
